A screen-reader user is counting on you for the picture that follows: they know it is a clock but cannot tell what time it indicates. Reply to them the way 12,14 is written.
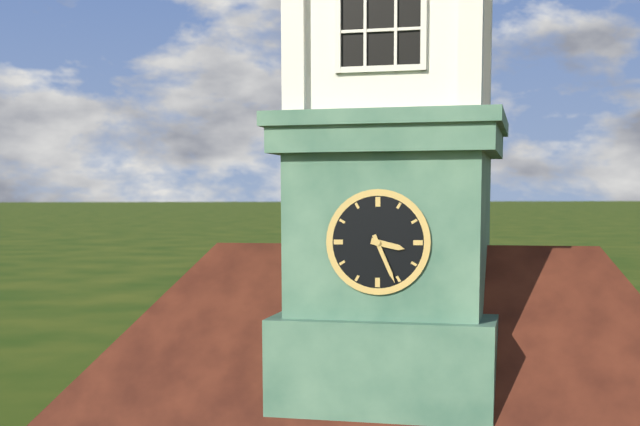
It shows 3,26
